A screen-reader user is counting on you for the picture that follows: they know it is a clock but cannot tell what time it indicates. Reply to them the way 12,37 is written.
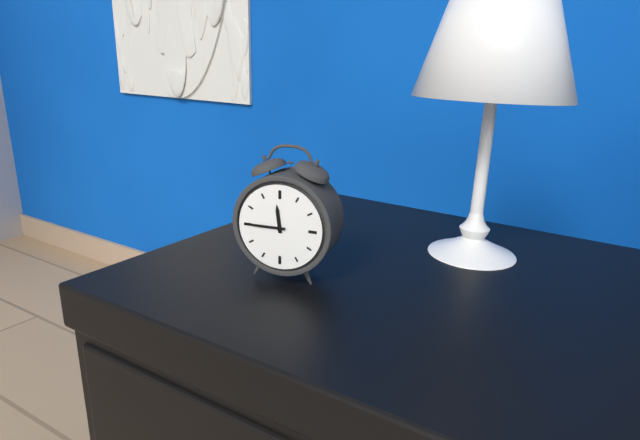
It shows 11,45
